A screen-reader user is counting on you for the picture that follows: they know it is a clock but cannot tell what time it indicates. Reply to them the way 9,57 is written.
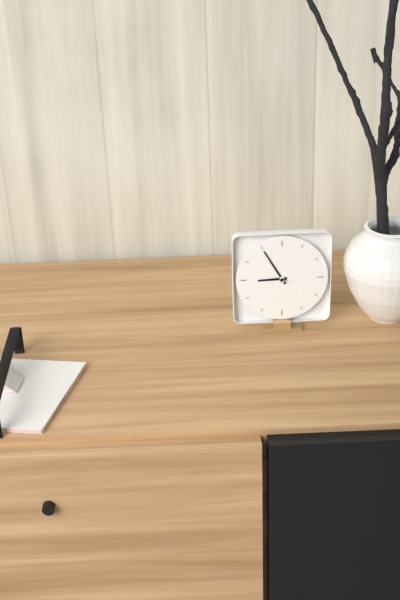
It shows 8,55
